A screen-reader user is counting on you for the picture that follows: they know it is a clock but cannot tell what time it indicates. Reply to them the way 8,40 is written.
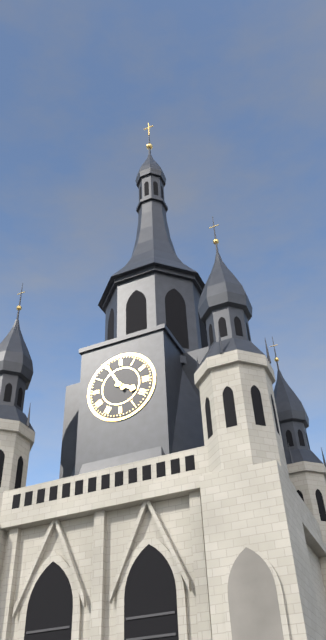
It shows 3,55
